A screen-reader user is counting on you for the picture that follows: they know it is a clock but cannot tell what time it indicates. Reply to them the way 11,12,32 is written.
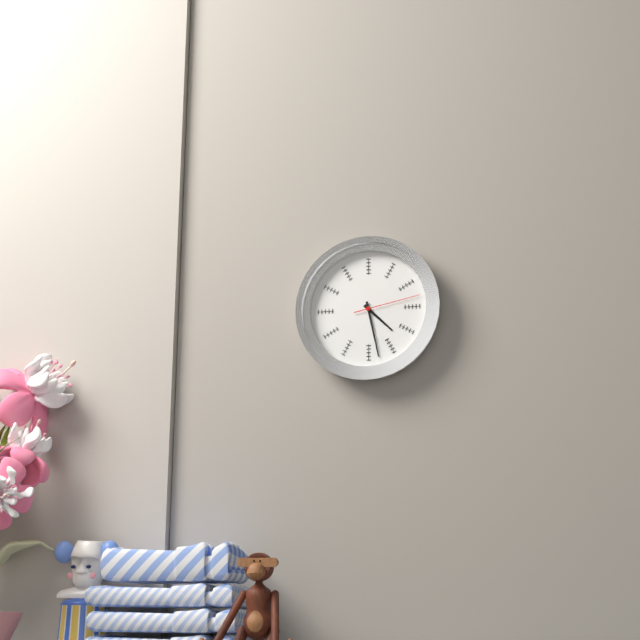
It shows 4,28,13
